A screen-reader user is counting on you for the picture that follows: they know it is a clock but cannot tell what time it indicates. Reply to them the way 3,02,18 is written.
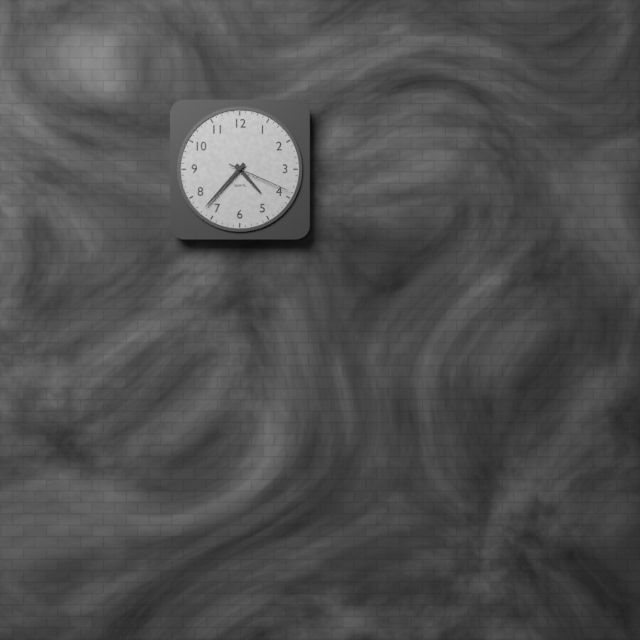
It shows 4,37,19
